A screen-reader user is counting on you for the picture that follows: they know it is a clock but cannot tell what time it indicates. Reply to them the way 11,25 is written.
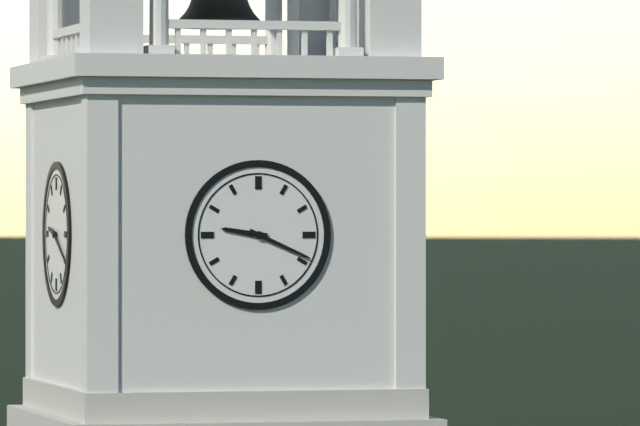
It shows 9,19
